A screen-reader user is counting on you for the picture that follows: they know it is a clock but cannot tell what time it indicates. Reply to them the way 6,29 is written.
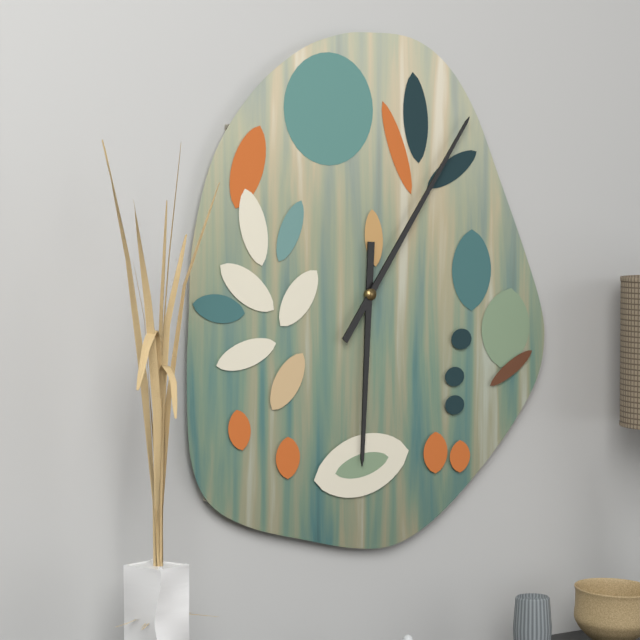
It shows 6,06
